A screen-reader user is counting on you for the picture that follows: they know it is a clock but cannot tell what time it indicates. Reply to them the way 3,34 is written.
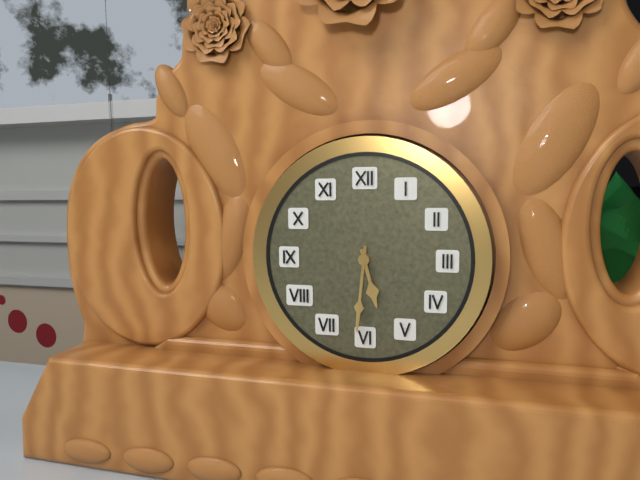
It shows 5,31
